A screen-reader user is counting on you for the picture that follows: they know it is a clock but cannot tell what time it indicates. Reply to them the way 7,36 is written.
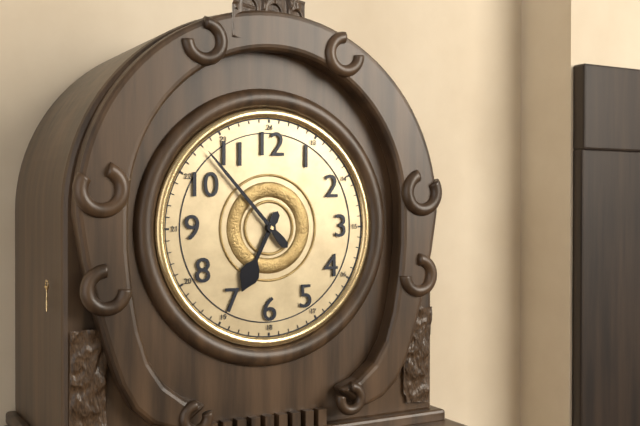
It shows 6,53
